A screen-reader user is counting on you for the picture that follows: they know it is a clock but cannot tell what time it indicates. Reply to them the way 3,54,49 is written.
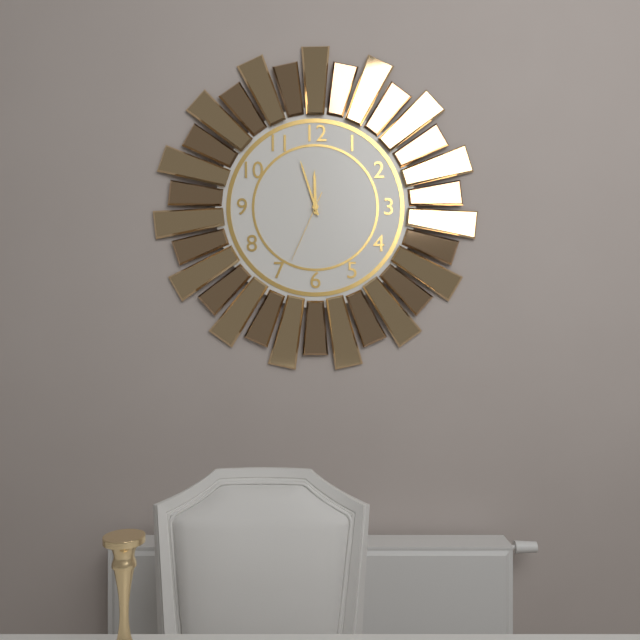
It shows 11,57,34
